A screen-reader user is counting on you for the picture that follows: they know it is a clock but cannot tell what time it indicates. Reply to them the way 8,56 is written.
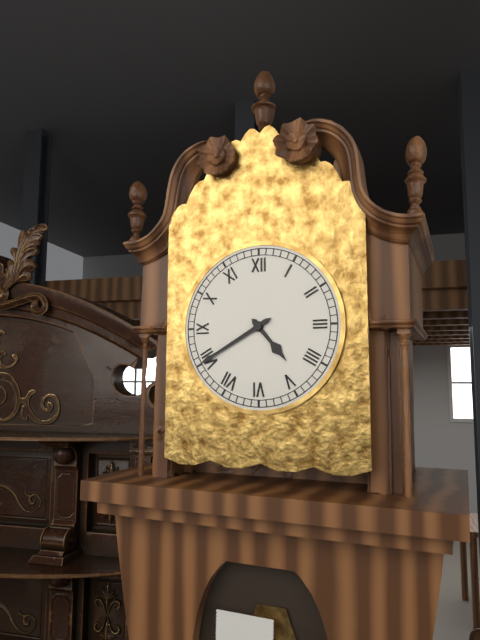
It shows 4,40
